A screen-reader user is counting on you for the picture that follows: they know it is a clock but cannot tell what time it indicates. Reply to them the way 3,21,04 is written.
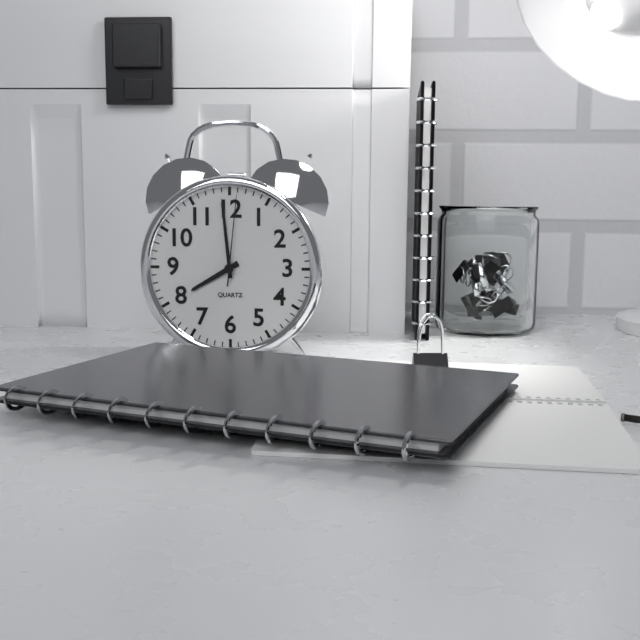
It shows 7,59,01
